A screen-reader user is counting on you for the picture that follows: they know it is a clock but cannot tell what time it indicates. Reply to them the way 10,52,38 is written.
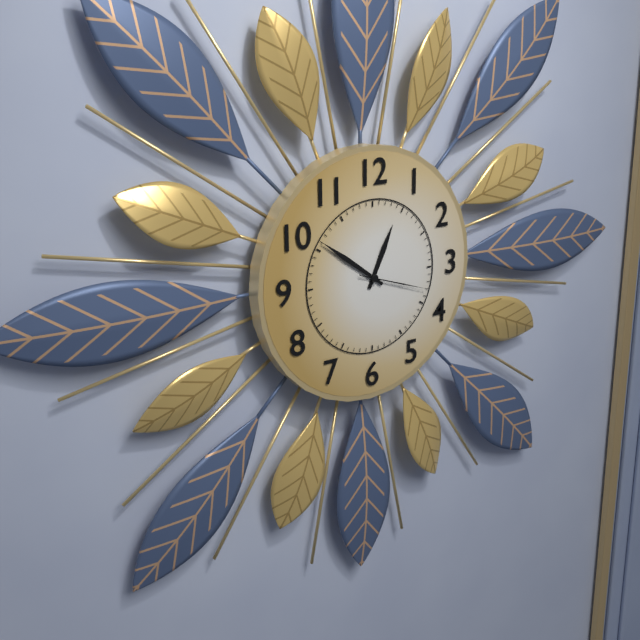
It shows 12,51,18
